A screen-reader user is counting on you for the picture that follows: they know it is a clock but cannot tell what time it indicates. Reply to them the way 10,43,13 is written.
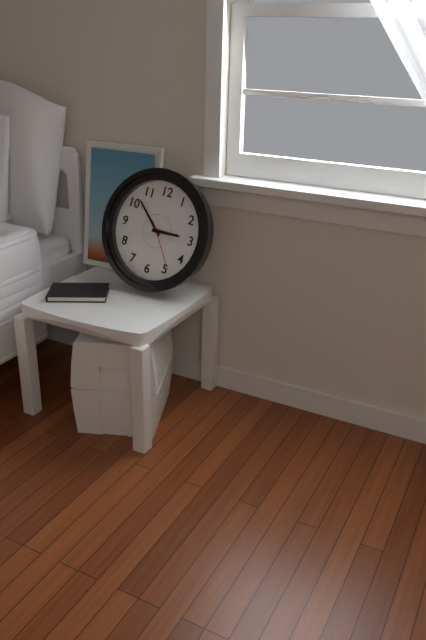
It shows 2,52,24
